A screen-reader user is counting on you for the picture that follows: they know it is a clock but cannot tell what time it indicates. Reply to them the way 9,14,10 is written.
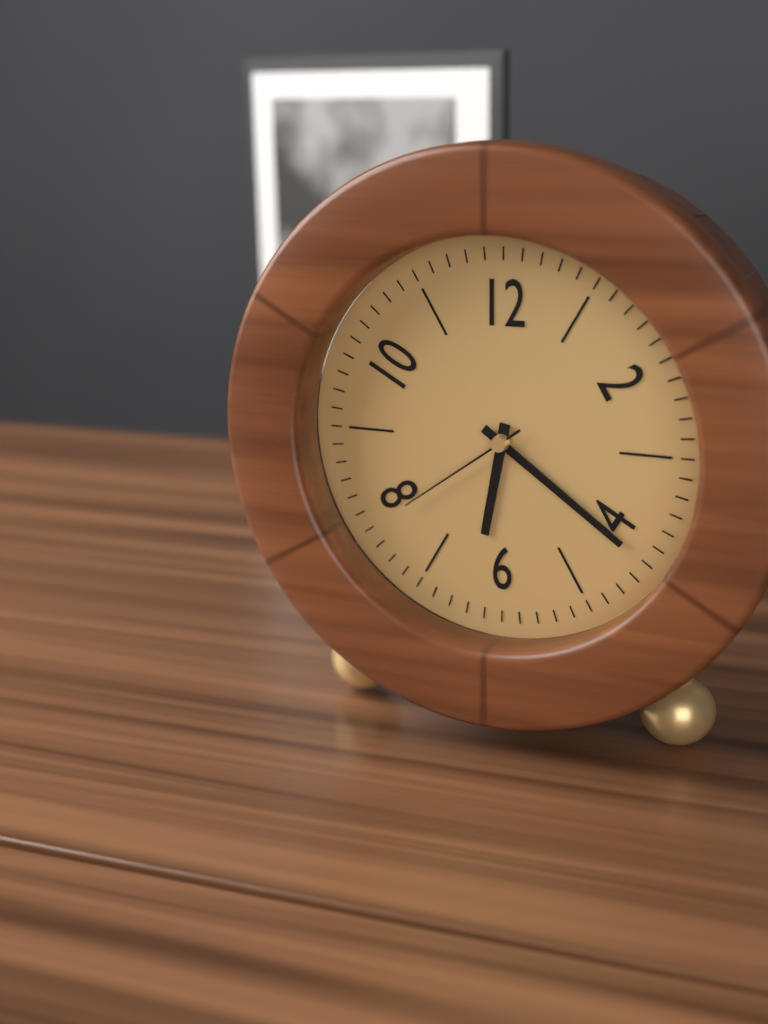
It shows 6,21,39
